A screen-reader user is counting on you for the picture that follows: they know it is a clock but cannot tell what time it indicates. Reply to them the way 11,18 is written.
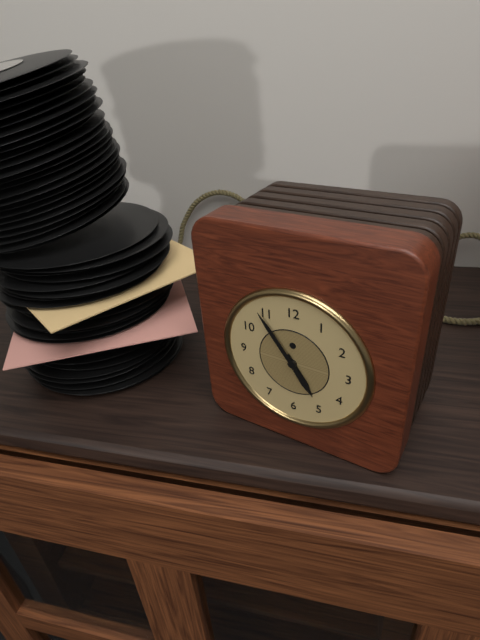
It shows 4,54
